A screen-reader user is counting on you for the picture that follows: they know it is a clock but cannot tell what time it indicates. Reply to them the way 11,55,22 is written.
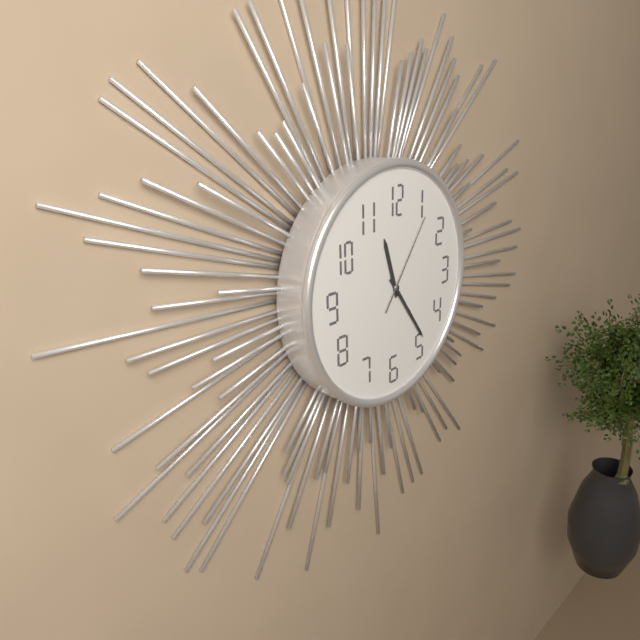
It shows 11,24,06
